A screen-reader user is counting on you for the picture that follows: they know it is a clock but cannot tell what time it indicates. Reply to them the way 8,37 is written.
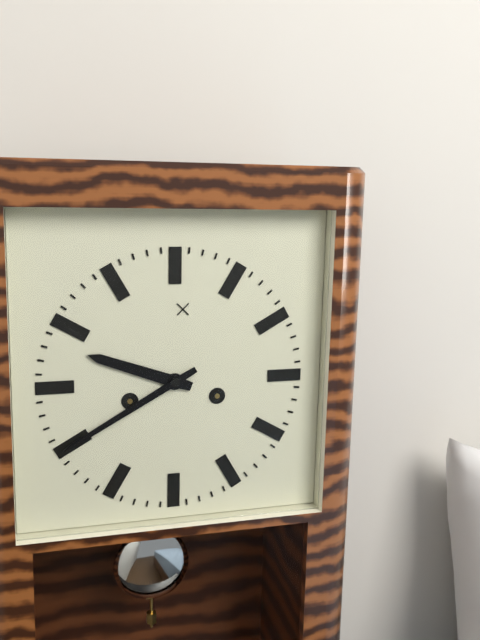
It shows 9,40
